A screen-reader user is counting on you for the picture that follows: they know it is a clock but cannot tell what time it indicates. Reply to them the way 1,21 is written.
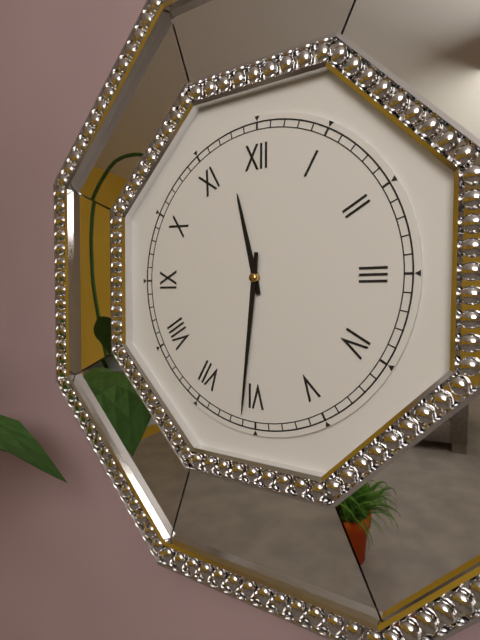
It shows 11,31
